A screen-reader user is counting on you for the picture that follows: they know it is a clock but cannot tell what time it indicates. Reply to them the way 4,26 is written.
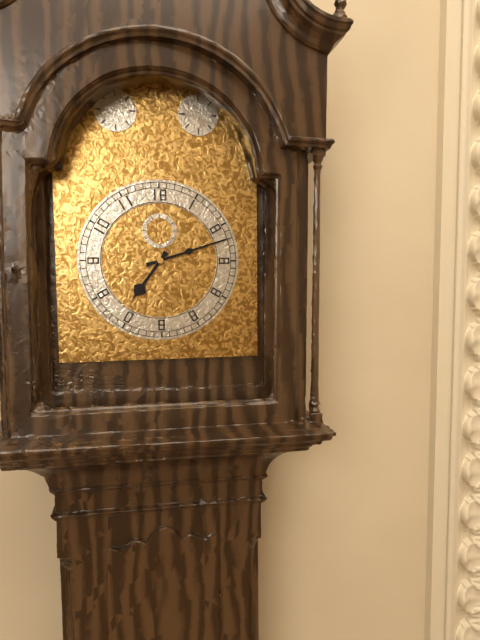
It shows 7,12
